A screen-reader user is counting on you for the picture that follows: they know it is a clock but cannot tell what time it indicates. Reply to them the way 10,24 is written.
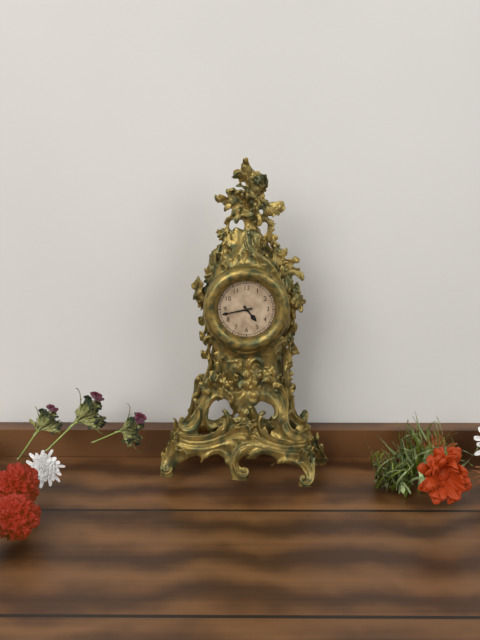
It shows 4,43
